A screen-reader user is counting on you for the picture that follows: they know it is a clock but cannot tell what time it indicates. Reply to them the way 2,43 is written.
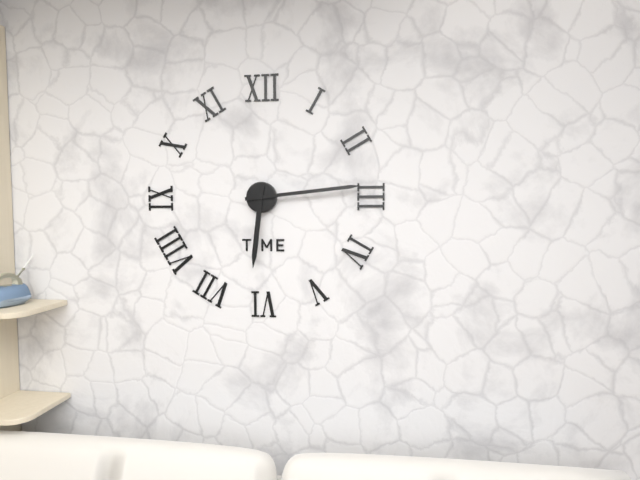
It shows 6,14
